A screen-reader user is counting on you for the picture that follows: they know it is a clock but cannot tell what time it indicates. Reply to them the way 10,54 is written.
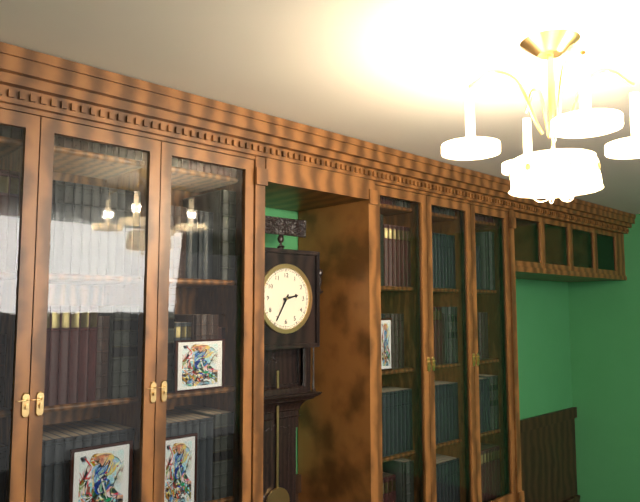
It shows 2,35
